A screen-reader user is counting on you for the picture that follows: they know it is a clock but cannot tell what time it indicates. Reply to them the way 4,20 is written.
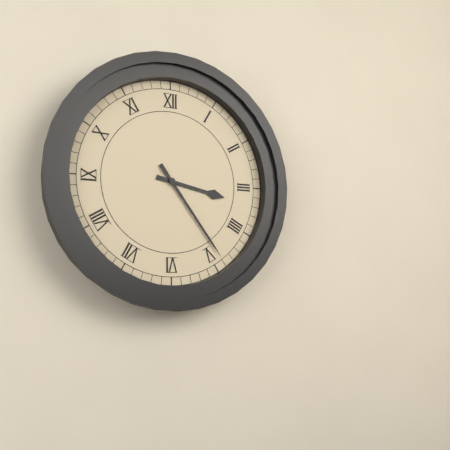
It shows 3,24
